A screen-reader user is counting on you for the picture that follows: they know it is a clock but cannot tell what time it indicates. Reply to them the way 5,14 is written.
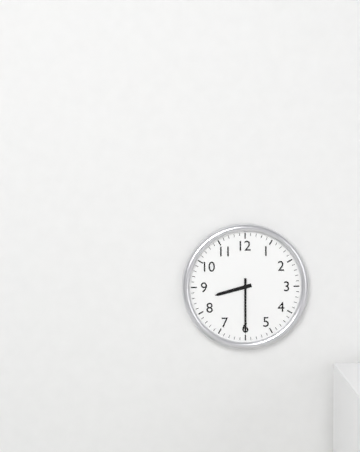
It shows 8,30
